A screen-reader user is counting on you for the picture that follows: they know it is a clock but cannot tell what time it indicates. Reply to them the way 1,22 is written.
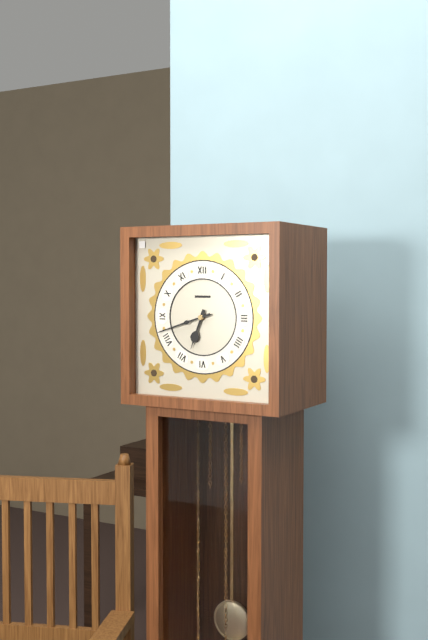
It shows 6,42
